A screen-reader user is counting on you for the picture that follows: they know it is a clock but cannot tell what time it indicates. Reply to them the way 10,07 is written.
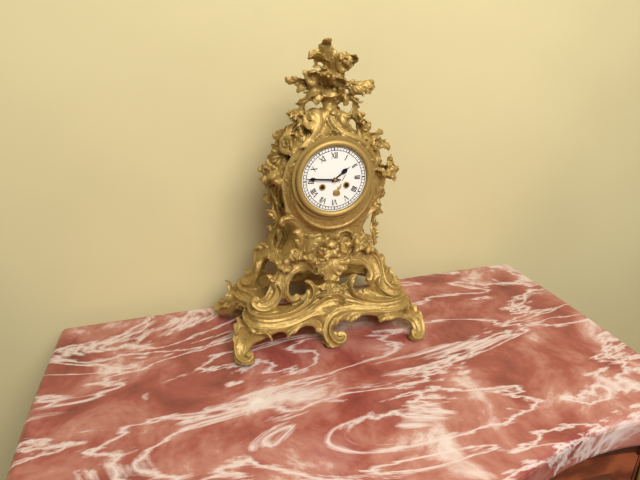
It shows 1,46
